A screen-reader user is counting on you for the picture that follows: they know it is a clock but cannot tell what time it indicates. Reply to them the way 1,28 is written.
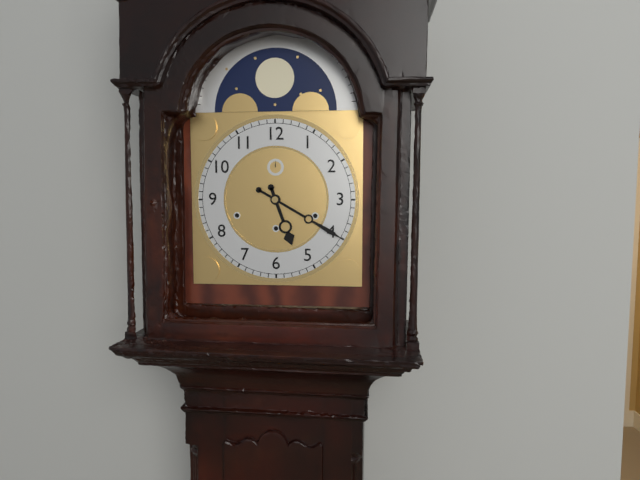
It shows 5,20
